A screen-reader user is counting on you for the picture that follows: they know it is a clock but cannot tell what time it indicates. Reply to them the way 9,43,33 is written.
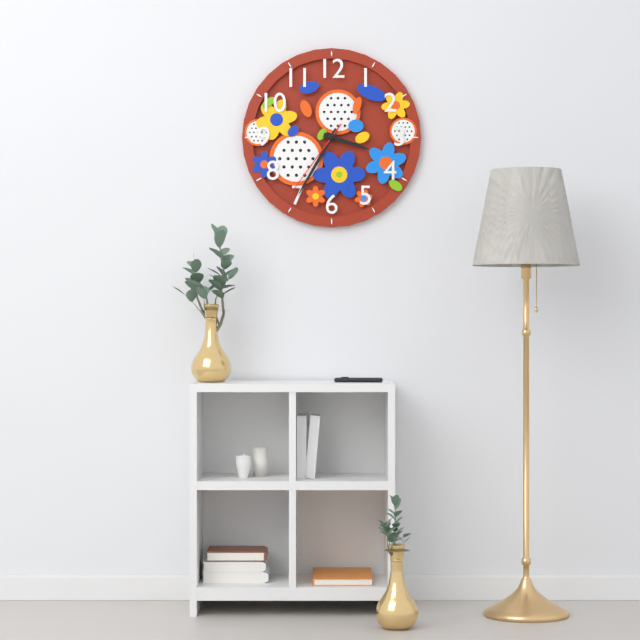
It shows 3,35,36
